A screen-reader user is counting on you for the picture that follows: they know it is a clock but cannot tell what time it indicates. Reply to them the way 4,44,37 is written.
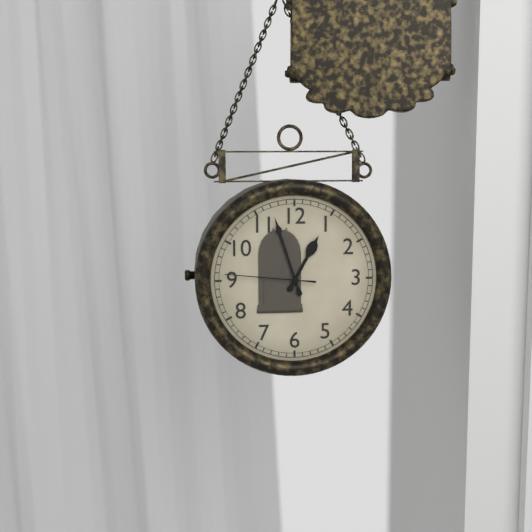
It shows 12,57,46
